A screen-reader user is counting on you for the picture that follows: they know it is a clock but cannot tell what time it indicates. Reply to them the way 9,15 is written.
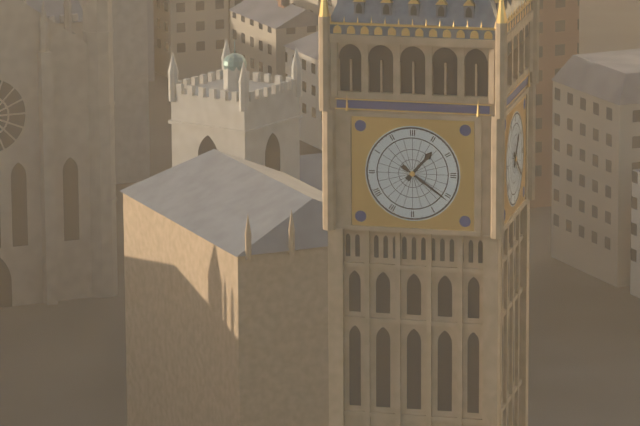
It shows 1,21
